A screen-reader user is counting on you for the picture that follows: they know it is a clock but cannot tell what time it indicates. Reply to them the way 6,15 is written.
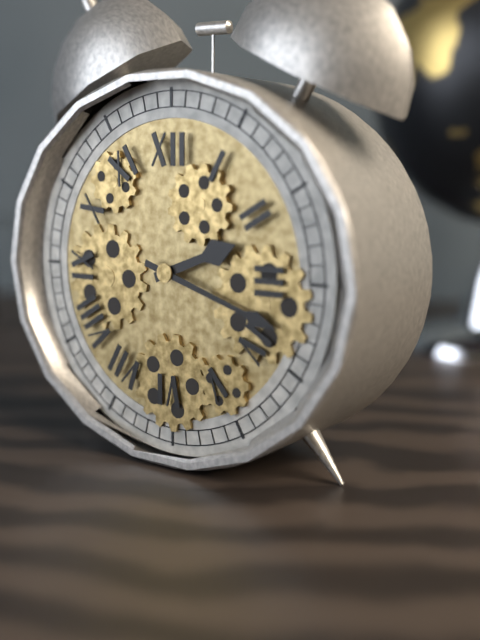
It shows 2,18
